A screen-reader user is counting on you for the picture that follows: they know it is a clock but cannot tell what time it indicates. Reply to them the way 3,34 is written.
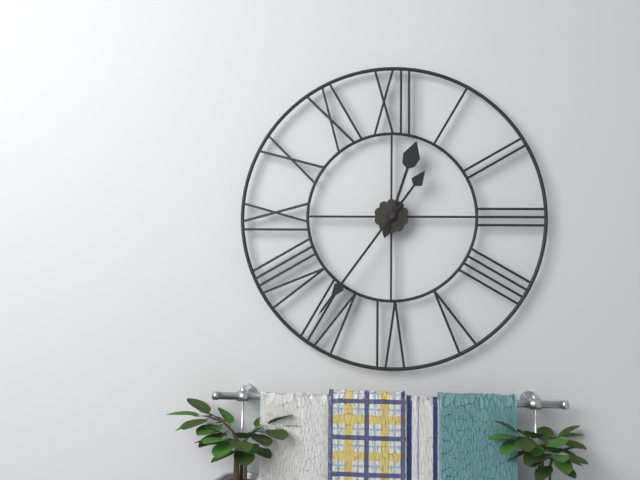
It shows 12,36
